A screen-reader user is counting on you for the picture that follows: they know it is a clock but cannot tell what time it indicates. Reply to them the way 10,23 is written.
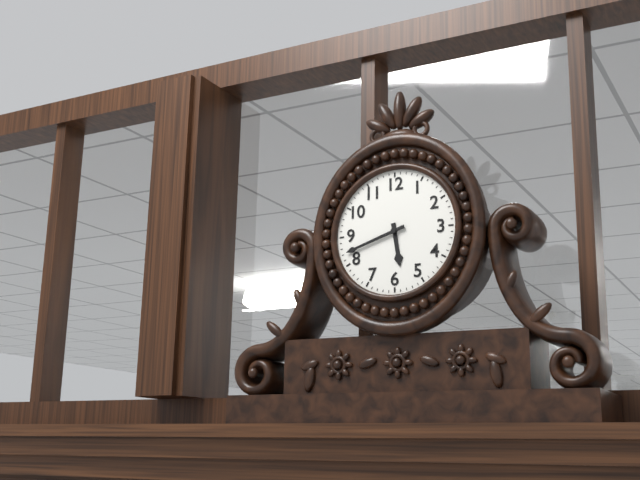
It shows 5,42
